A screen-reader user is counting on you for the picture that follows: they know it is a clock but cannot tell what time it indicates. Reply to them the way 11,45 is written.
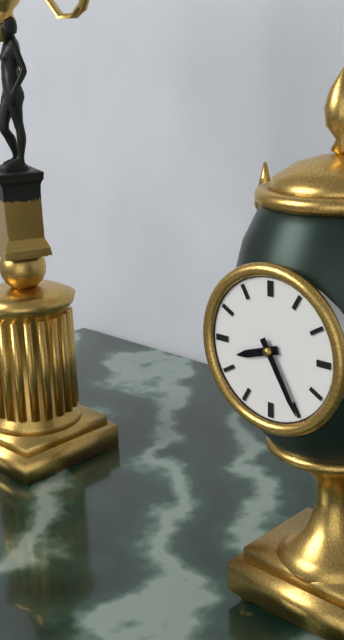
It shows 8,25
